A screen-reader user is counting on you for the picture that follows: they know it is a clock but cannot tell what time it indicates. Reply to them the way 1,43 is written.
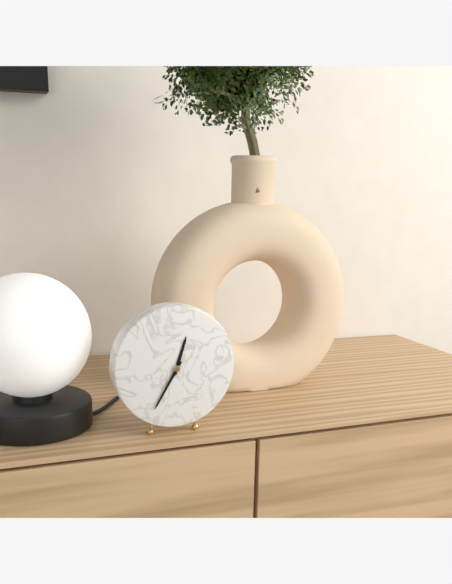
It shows 12,35
